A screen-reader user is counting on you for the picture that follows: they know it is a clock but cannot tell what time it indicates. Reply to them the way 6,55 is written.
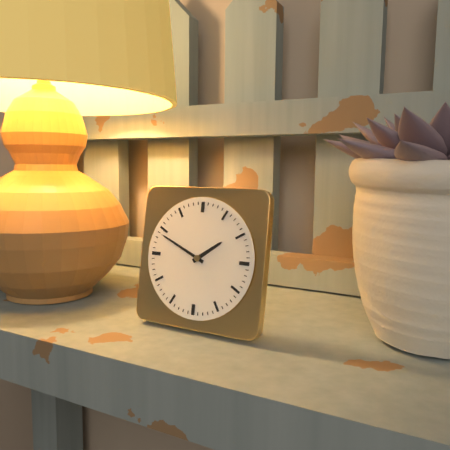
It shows 1,49
